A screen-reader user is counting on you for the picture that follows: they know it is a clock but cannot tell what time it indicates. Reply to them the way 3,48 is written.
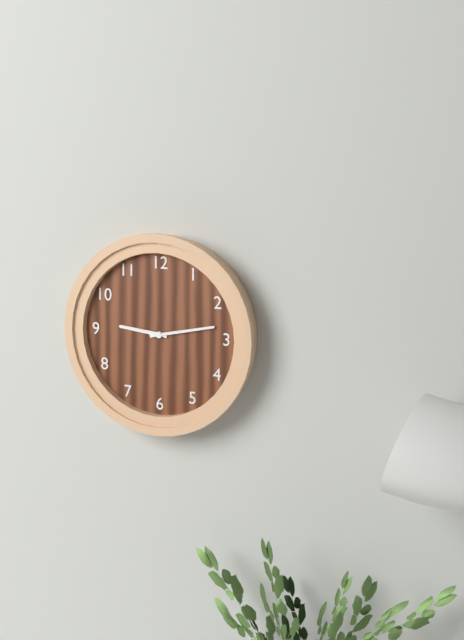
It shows 9,13
